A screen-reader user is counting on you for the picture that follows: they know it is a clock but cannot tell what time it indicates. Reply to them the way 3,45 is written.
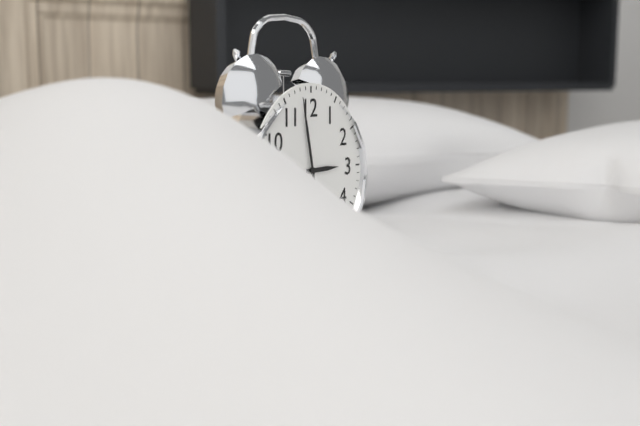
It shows 2,58
